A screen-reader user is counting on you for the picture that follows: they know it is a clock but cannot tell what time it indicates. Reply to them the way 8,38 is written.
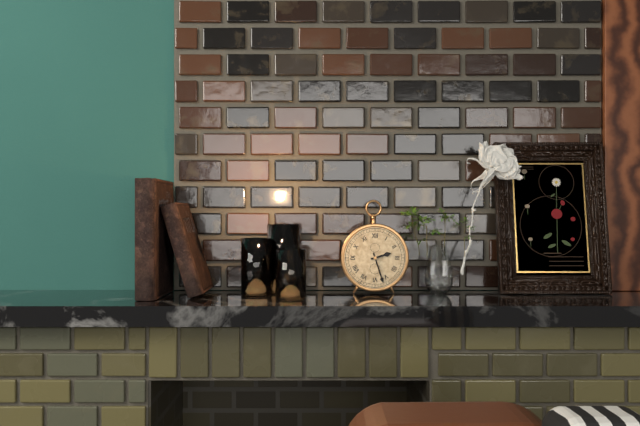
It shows 2,27
